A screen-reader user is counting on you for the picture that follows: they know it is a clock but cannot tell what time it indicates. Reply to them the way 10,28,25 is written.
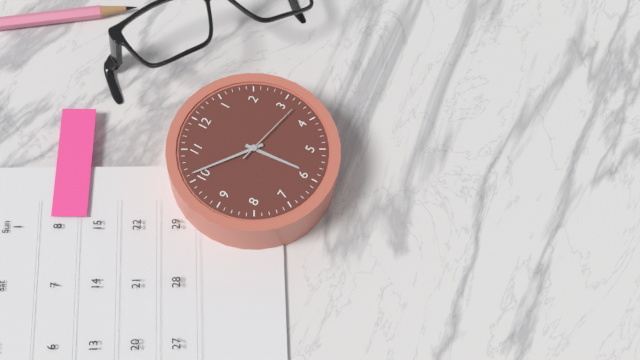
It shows 5,51,17
